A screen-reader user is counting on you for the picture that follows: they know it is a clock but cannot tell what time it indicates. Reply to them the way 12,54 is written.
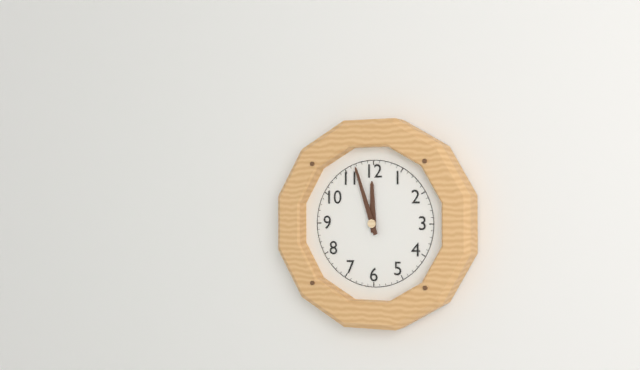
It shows 11,57
